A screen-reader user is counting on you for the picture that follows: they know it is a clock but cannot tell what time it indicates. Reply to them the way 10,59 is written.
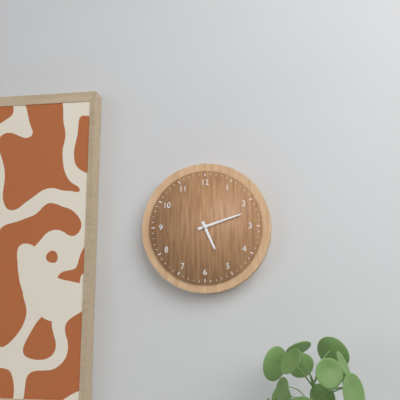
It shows 5,12
